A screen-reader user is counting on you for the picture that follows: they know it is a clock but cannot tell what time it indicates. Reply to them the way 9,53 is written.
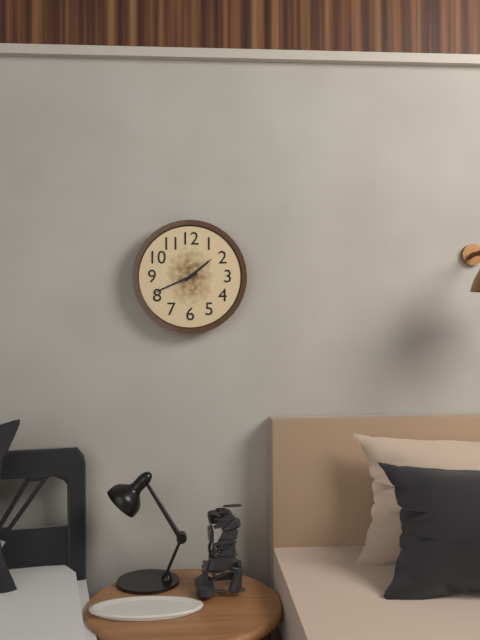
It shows 1,41
